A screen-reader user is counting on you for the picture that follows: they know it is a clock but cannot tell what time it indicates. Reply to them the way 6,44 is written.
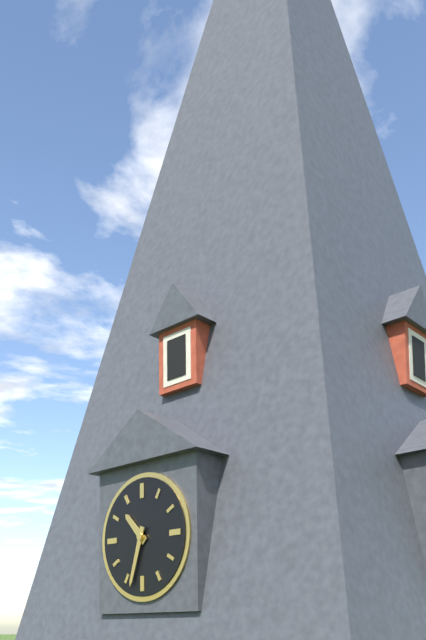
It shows 10,33
